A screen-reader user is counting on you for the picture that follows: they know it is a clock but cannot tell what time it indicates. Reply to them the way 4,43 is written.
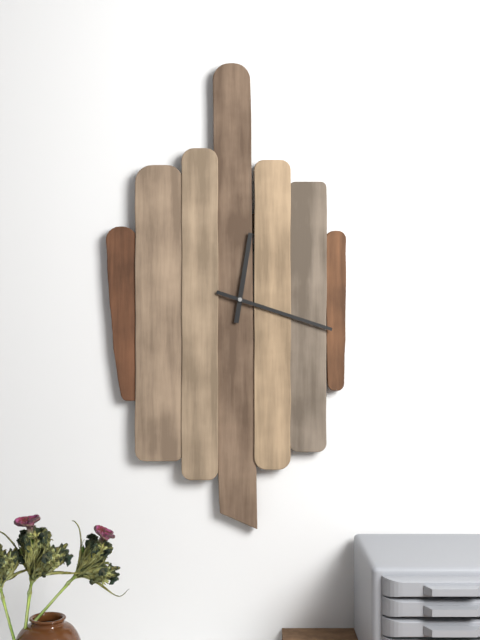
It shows 12,18
